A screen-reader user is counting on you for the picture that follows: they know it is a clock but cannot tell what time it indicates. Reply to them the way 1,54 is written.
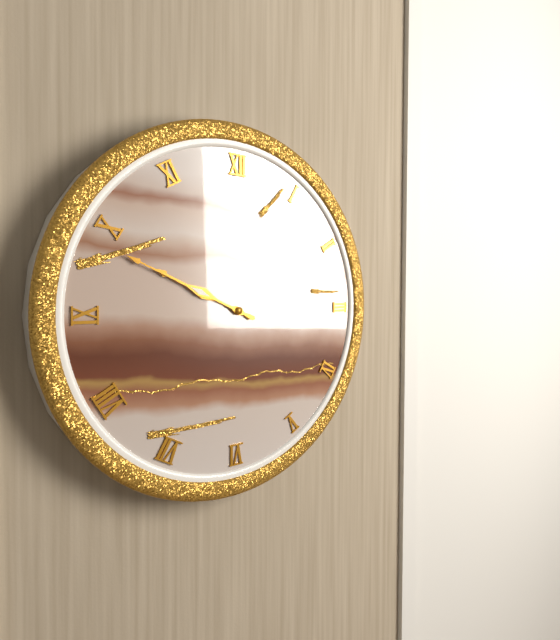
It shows 9,49
